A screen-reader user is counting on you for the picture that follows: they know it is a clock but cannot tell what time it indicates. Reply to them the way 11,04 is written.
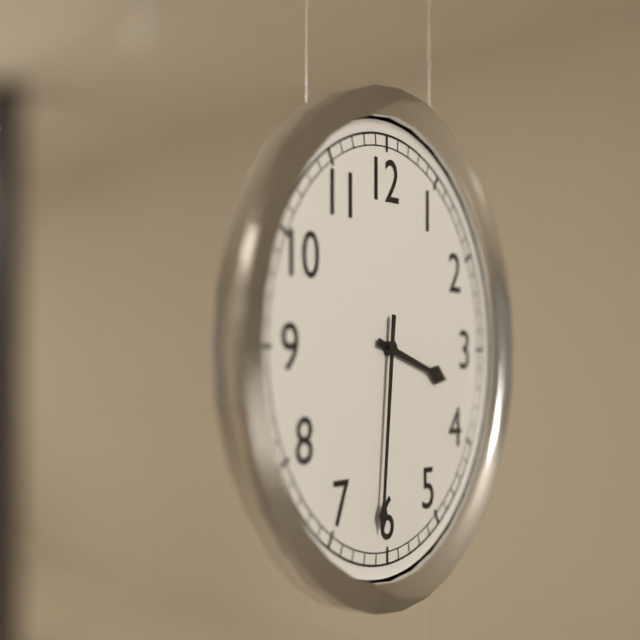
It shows 3,31
